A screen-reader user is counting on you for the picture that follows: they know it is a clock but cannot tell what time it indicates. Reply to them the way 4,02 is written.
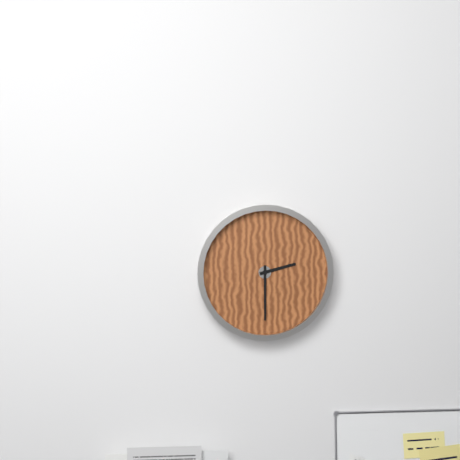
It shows 2,30
